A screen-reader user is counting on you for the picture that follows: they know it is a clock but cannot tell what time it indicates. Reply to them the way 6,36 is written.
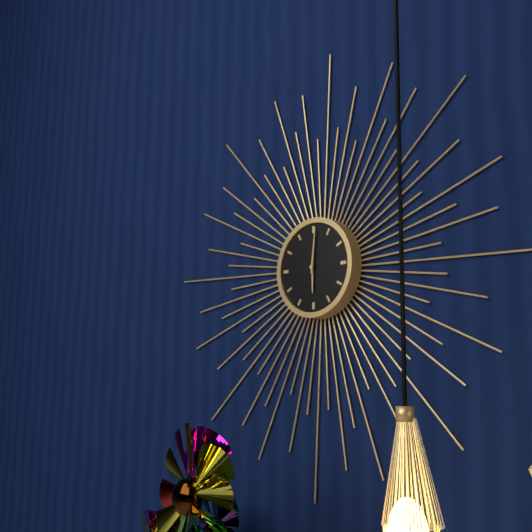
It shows 6,01
